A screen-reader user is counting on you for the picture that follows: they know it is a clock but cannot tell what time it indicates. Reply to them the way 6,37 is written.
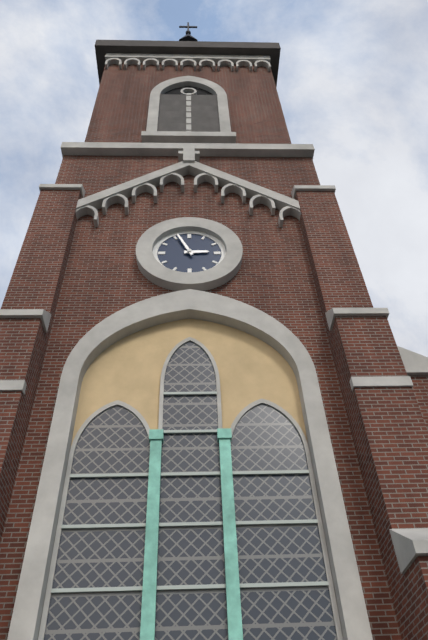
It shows 2,56
